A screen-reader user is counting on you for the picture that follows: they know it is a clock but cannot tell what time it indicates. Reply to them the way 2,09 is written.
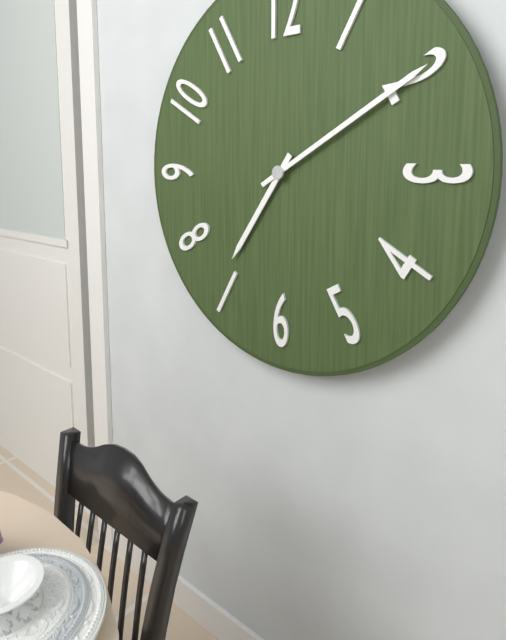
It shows 7,10
